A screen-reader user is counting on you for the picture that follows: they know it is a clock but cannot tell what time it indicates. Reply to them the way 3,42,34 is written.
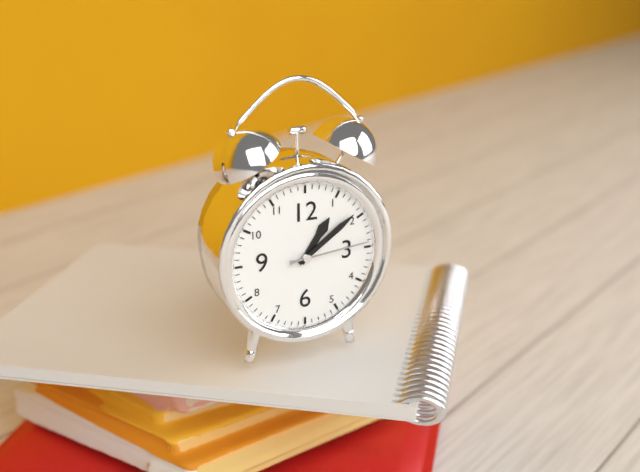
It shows 1,09,14
